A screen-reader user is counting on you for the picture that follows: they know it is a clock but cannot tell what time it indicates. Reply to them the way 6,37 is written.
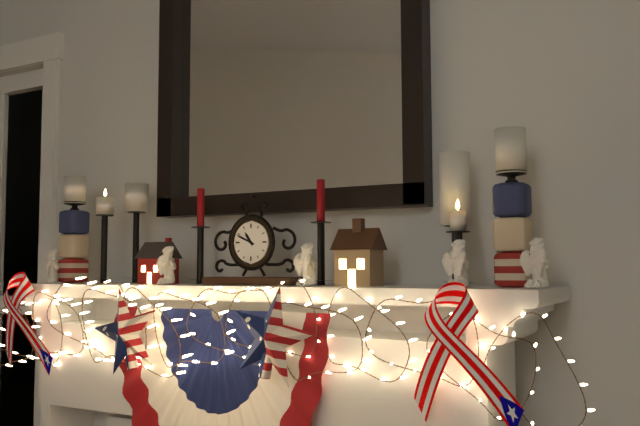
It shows 10,49
